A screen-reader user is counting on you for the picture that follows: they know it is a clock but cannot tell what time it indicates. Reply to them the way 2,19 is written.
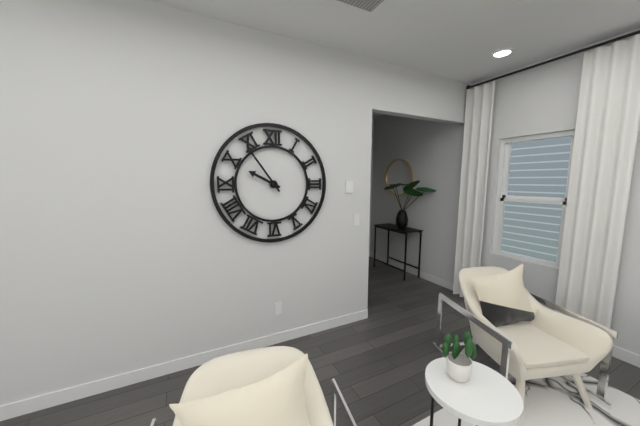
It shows 9,54
